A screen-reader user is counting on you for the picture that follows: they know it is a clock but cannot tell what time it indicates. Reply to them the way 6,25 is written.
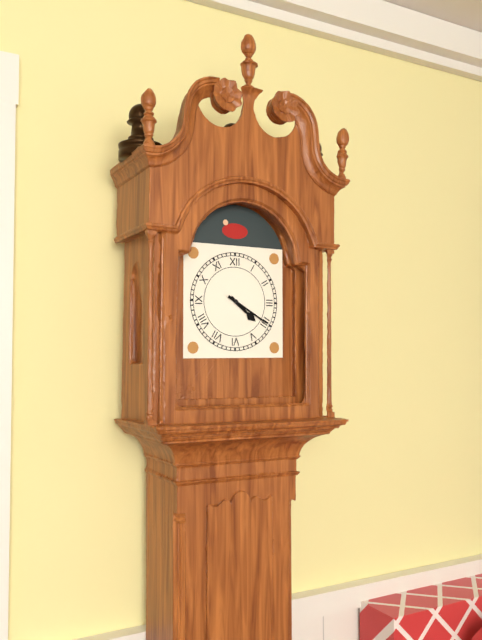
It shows 4,20
